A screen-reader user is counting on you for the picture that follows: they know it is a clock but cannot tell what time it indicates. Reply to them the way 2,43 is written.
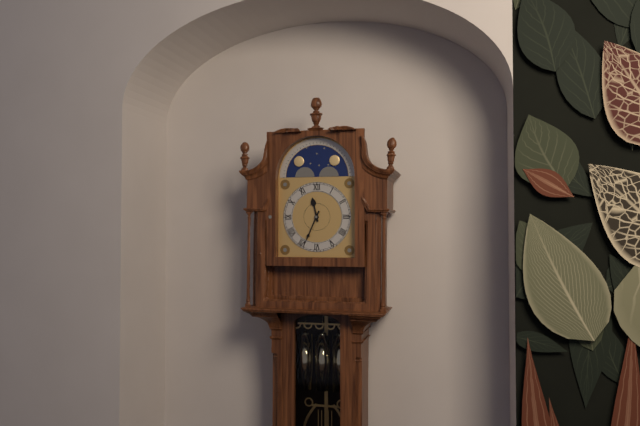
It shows 11,34
